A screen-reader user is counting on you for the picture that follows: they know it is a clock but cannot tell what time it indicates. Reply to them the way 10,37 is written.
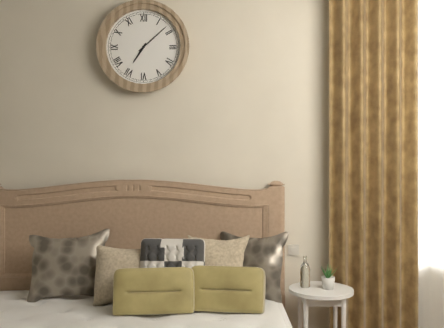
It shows 7,08
